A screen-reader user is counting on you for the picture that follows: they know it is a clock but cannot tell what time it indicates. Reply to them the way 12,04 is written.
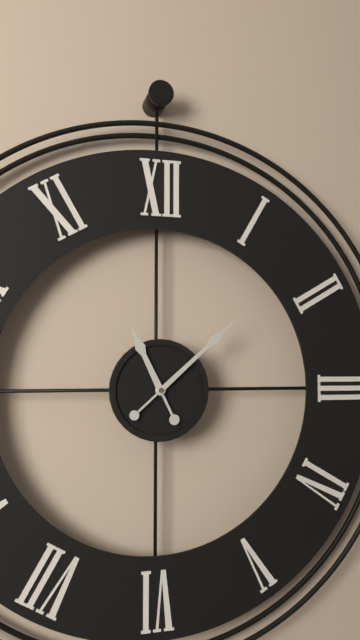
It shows 11,08
